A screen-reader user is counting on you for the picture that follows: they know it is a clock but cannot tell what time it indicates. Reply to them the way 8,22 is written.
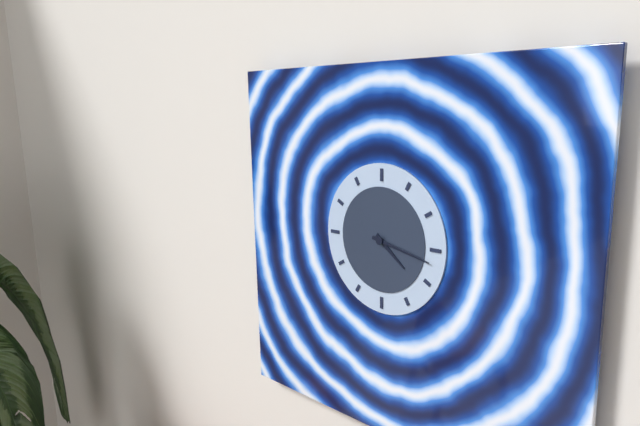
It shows 4,17
